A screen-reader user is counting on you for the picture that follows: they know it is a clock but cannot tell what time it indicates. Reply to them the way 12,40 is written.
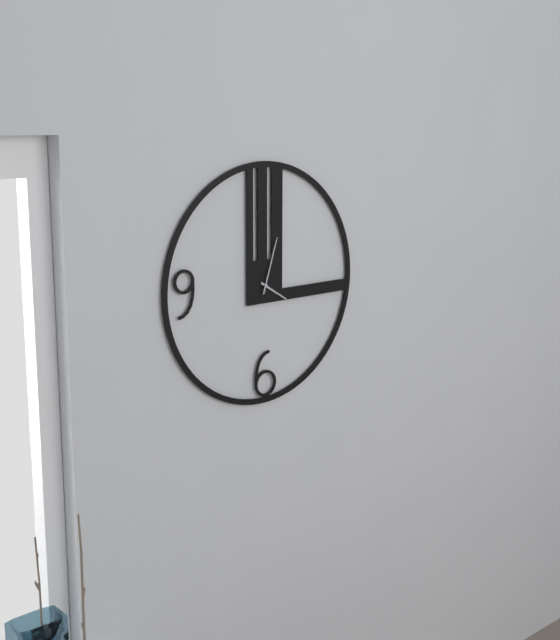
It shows 4,03
